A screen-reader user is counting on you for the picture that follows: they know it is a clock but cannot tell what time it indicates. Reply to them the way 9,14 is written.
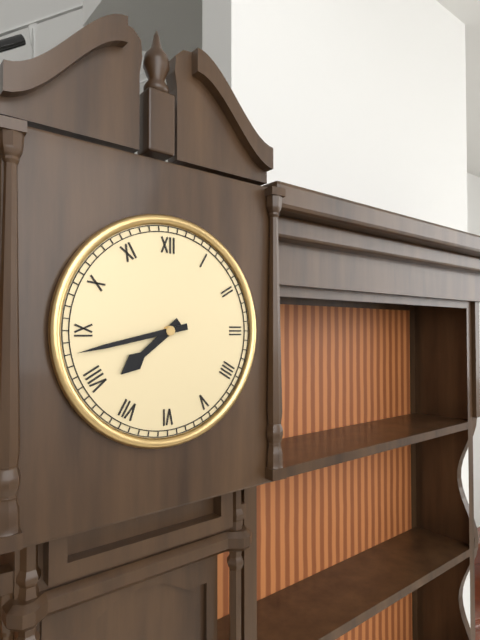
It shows 7,43
